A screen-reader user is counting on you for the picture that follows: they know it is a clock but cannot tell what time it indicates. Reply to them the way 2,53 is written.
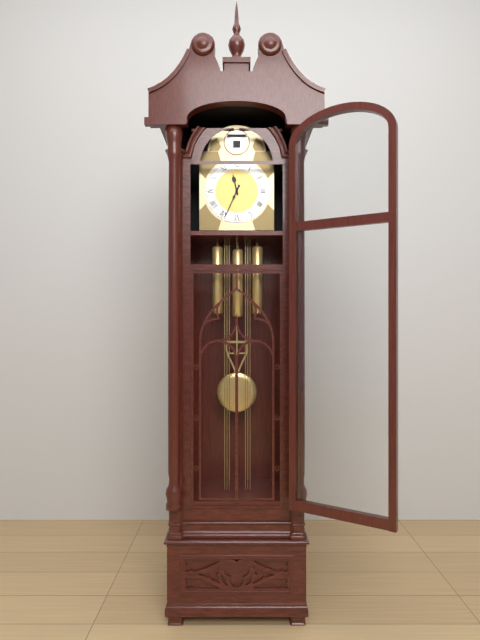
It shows 11,34
